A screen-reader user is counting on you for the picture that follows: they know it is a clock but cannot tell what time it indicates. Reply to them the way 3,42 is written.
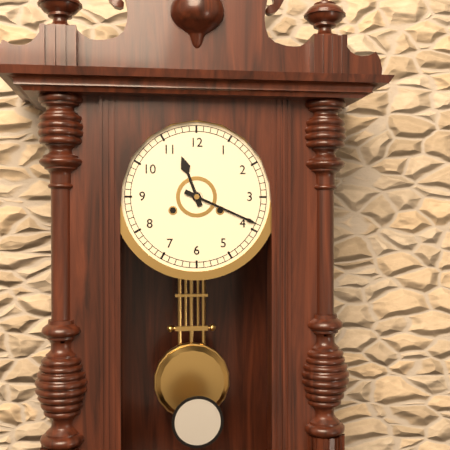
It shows 11,19
